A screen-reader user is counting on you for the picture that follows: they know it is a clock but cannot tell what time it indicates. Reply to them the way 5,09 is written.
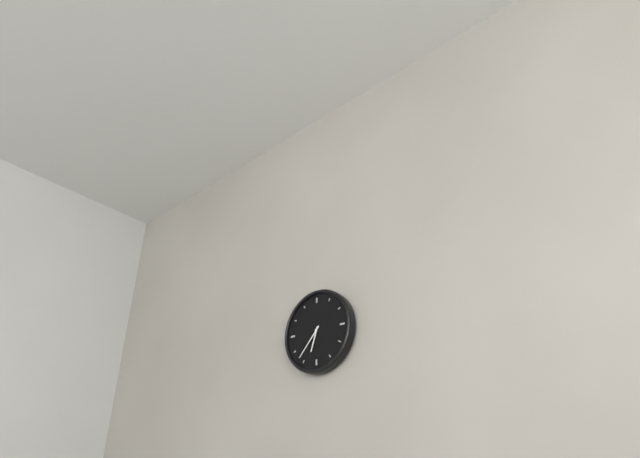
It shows 6,37
